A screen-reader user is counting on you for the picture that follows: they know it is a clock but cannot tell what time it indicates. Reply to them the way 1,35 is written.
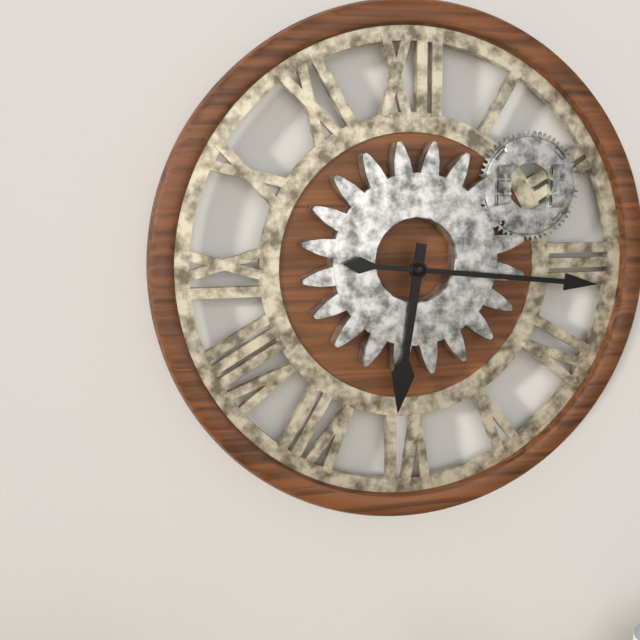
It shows 6,16
